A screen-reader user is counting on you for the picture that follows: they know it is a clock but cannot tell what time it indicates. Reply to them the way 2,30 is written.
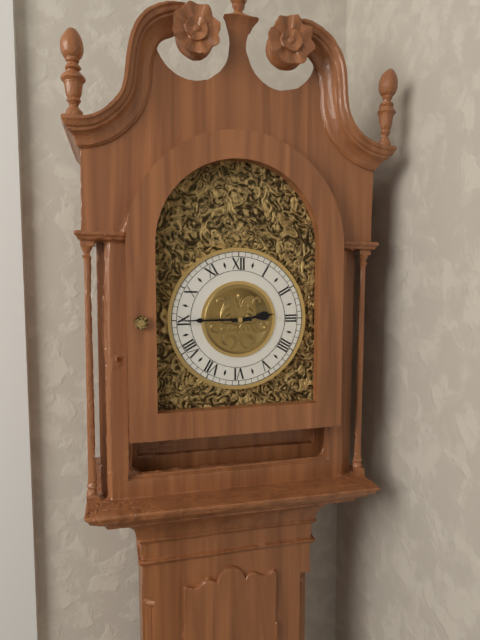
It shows 2,45
